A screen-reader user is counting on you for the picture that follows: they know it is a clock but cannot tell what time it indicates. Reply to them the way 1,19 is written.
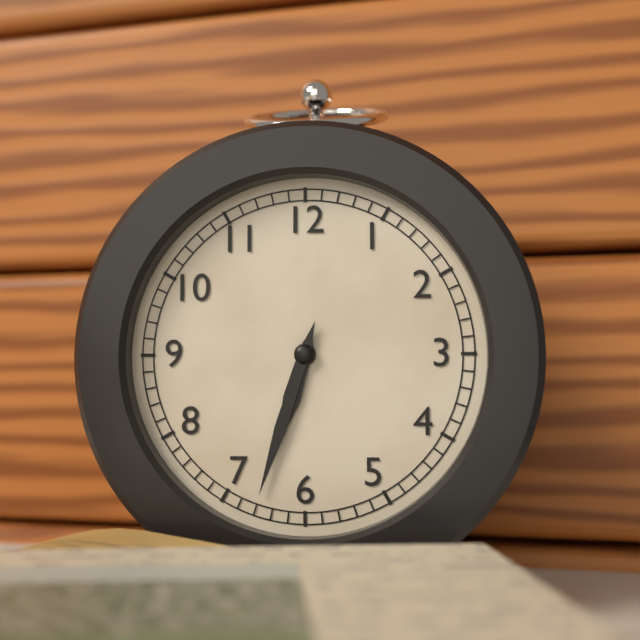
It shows 6,33
